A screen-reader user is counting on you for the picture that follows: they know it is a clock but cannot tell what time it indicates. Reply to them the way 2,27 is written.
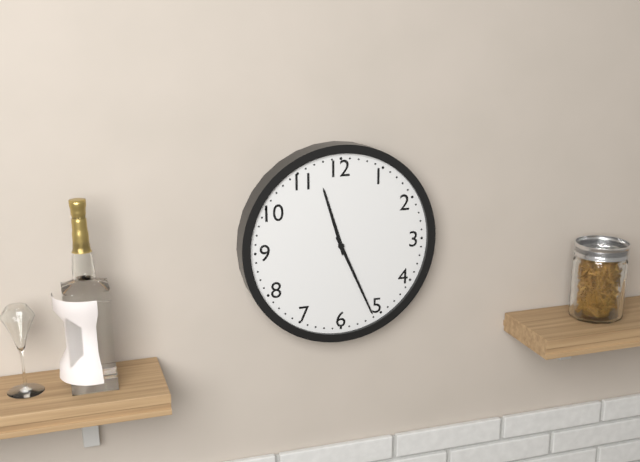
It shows 11,26
